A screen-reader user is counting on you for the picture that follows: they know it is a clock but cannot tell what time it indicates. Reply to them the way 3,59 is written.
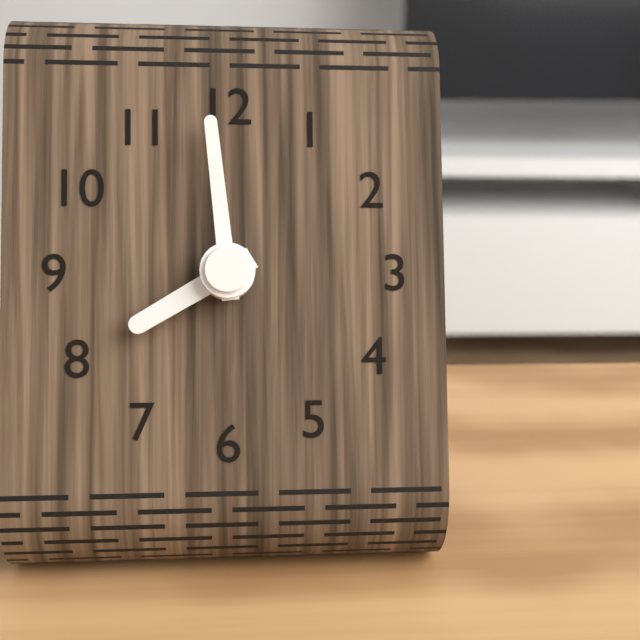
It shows 7,59
